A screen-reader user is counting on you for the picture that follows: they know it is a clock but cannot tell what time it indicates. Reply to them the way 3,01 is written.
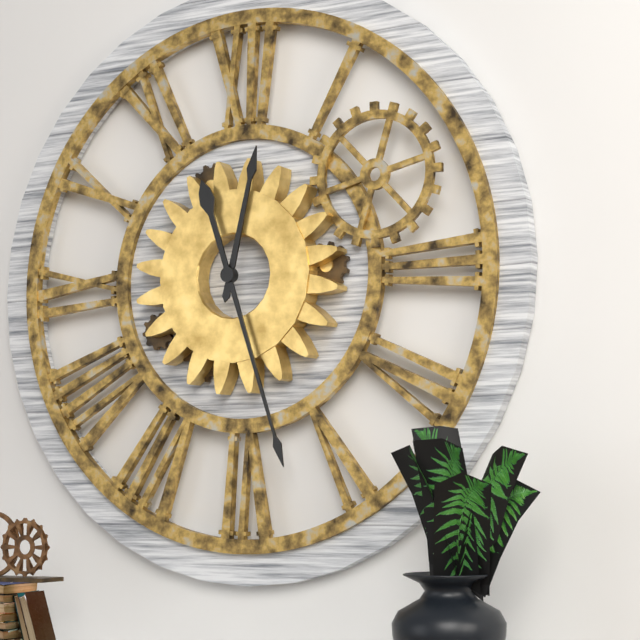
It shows 12,27
